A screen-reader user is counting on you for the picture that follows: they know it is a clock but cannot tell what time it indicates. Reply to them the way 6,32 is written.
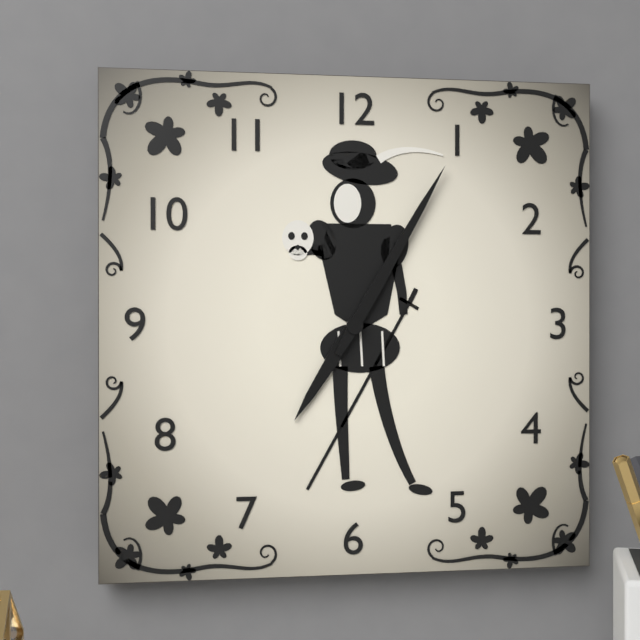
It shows 7,05
